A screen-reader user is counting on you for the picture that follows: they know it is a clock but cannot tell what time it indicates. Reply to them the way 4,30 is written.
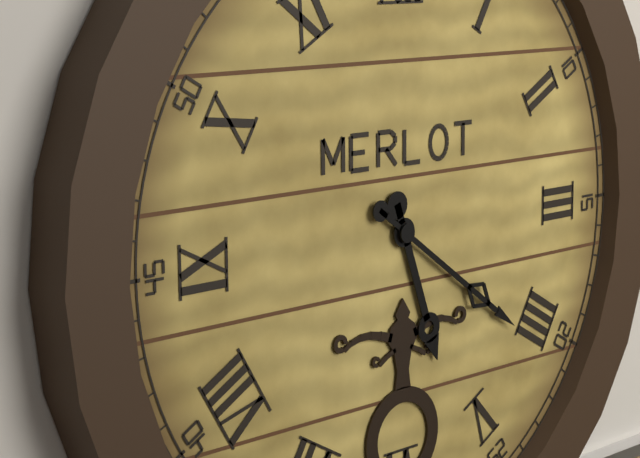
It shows 5,21
